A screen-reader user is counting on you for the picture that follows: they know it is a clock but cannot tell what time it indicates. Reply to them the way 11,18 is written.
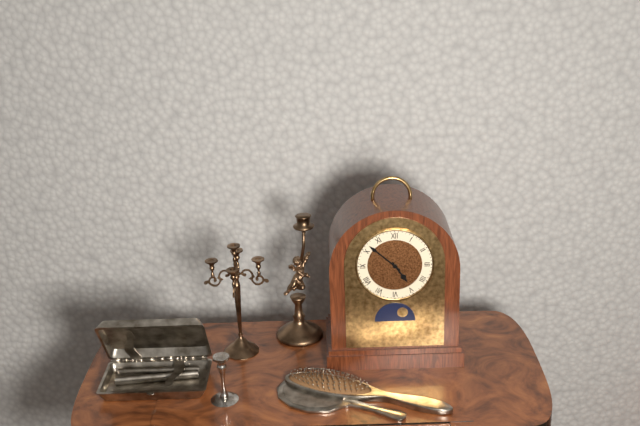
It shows 4,52
